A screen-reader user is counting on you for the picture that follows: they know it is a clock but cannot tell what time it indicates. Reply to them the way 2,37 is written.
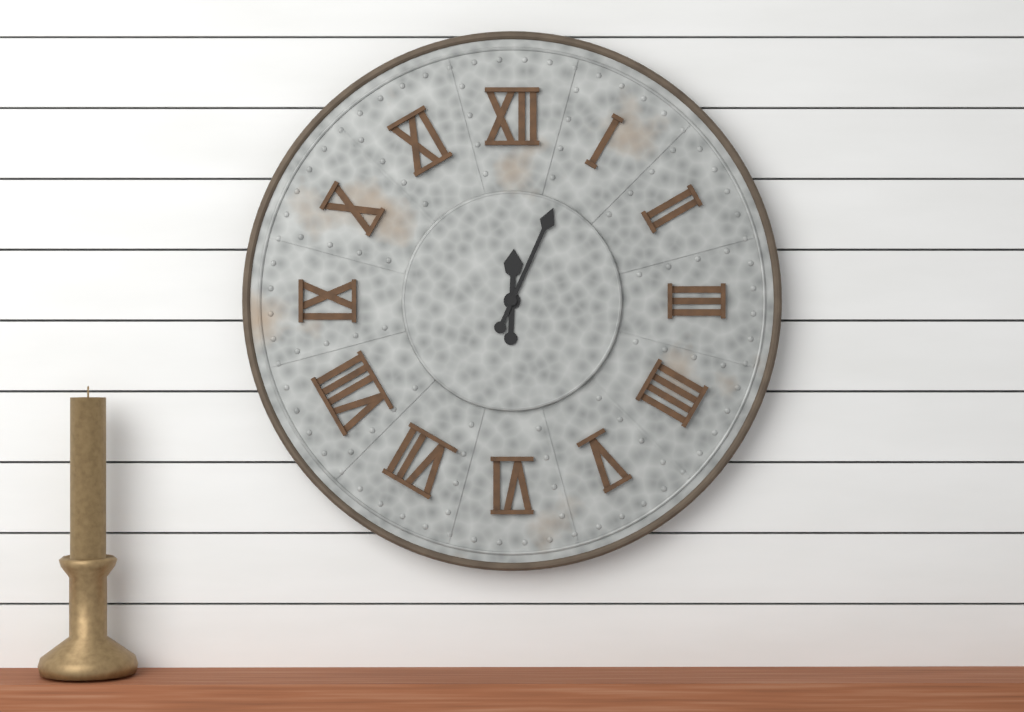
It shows 12,04
